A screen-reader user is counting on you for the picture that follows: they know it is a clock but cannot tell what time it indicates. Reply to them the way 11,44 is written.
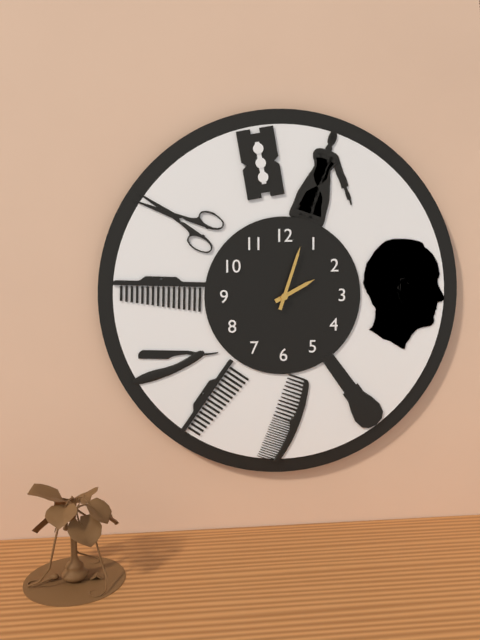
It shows 2,03
